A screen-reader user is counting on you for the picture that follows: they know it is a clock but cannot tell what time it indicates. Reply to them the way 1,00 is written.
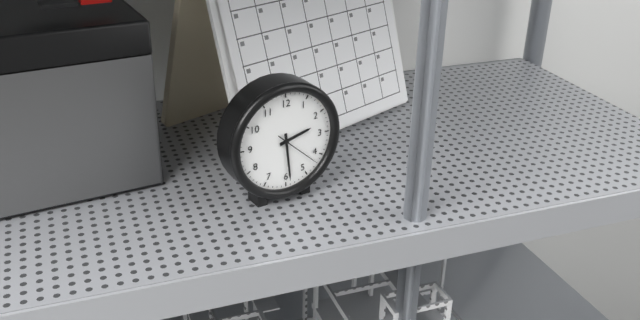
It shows 2,29
